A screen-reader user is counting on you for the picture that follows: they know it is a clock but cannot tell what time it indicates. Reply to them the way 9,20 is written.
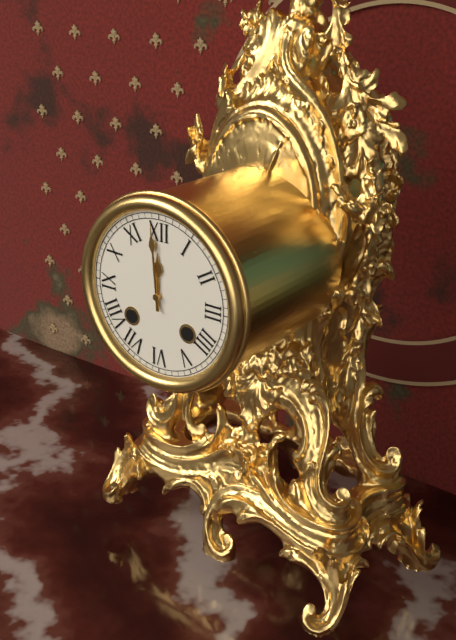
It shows 11,59
